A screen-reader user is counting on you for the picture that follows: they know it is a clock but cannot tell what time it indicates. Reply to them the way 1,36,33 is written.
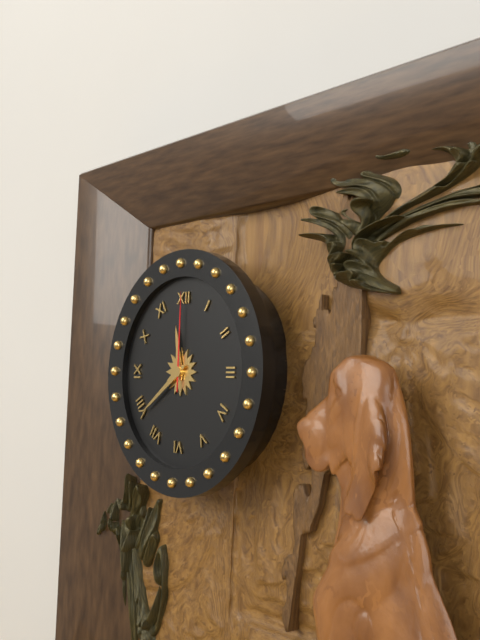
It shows 11,39,00
